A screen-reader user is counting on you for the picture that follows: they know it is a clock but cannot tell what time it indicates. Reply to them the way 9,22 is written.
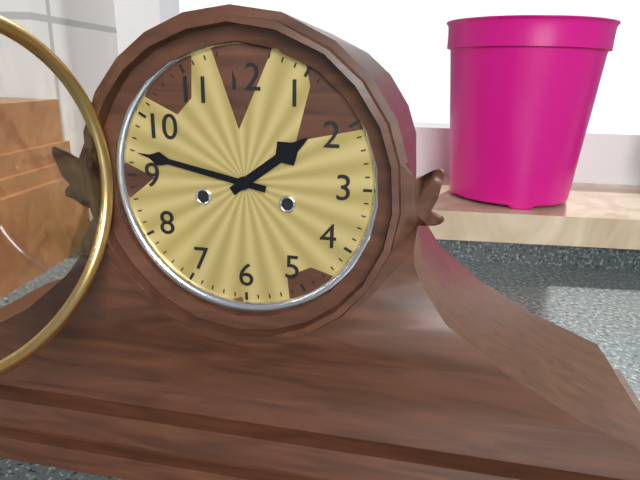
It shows 1,47
